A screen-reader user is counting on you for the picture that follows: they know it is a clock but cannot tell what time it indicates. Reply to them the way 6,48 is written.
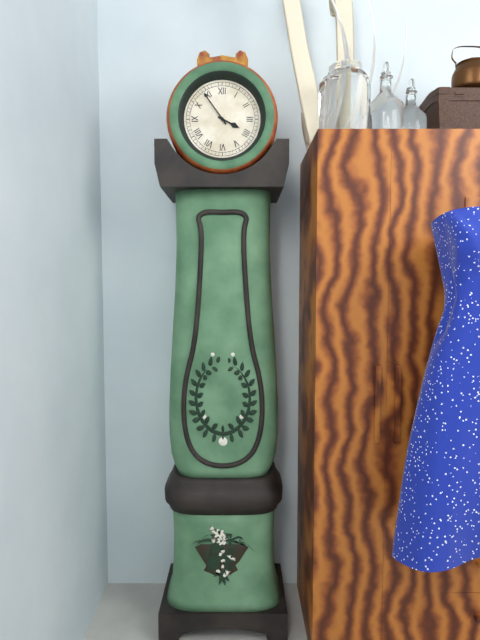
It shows 3,54
